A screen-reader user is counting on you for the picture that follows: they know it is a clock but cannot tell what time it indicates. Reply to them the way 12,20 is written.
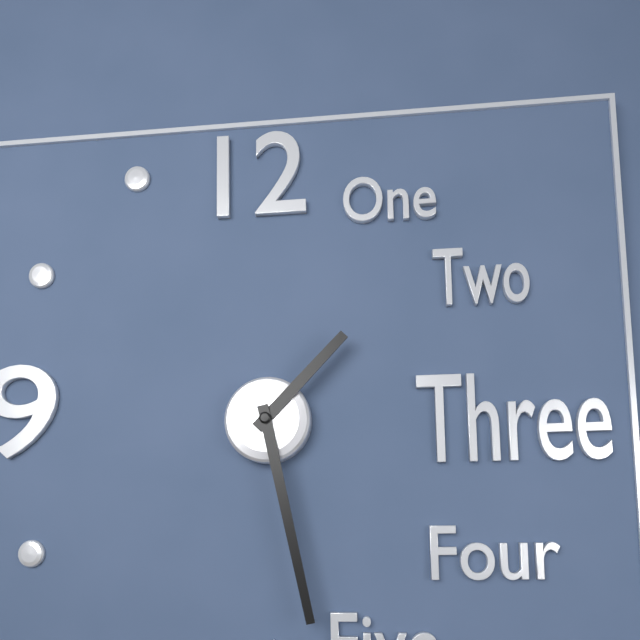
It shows 1,28
